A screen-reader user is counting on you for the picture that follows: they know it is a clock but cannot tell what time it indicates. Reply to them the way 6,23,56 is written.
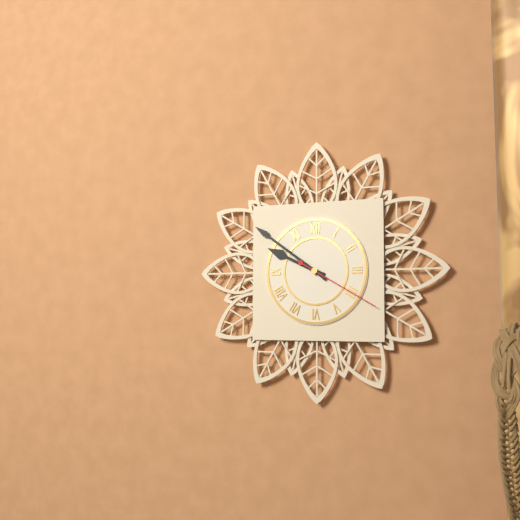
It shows 9,51,20
